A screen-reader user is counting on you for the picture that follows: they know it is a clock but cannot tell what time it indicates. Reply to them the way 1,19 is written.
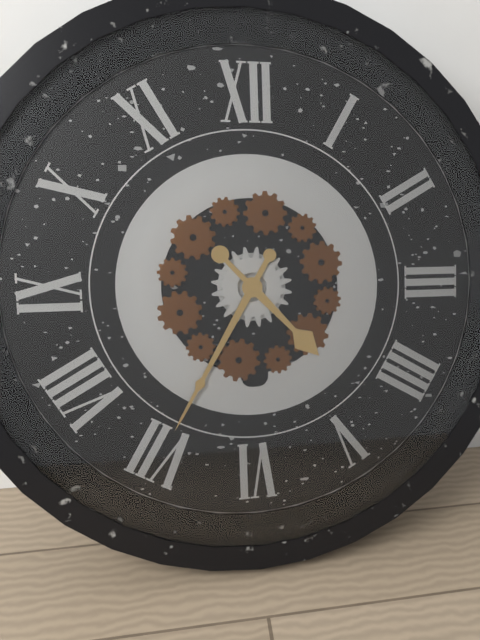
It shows 4,35
